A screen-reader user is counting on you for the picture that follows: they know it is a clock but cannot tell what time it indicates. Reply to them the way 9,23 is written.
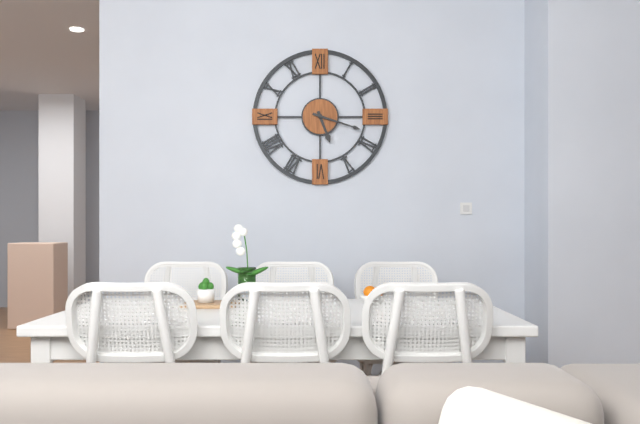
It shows 5,18
